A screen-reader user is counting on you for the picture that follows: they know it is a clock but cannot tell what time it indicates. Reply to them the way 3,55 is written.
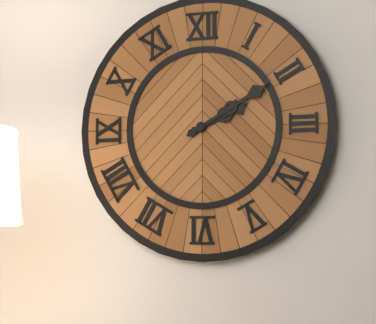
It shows 2,10
